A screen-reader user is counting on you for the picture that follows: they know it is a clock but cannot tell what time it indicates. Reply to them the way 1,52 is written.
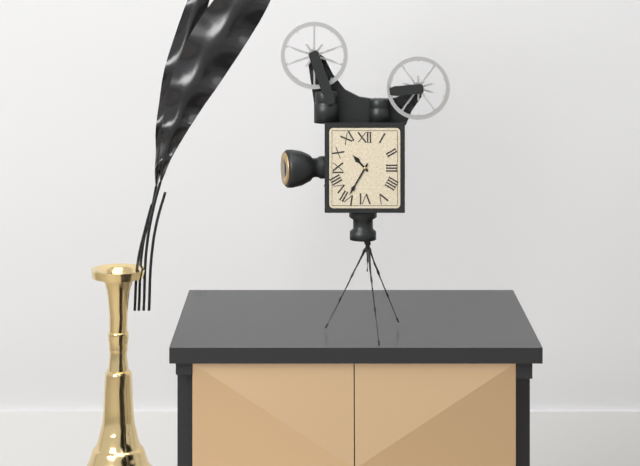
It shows 10,35
